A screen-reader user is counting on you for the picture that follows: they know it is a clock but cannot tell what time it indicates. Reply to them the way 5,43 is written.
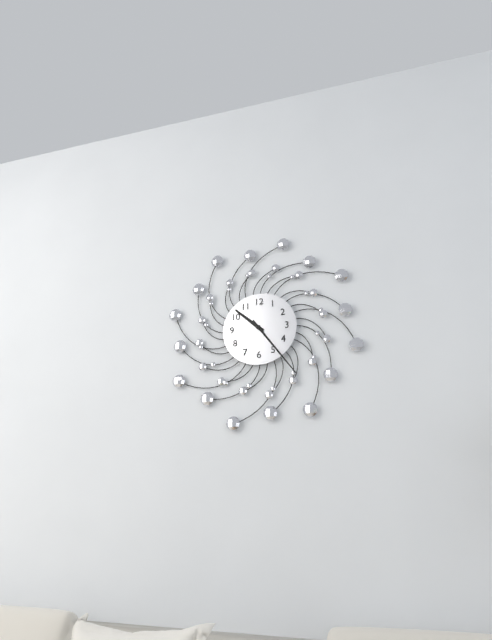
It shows 10,24
